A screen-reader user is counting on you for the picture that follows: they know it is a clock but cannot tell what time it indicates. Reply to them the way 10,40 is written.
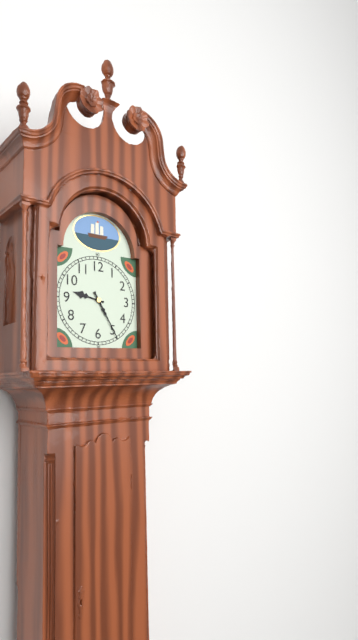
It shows 9,25
